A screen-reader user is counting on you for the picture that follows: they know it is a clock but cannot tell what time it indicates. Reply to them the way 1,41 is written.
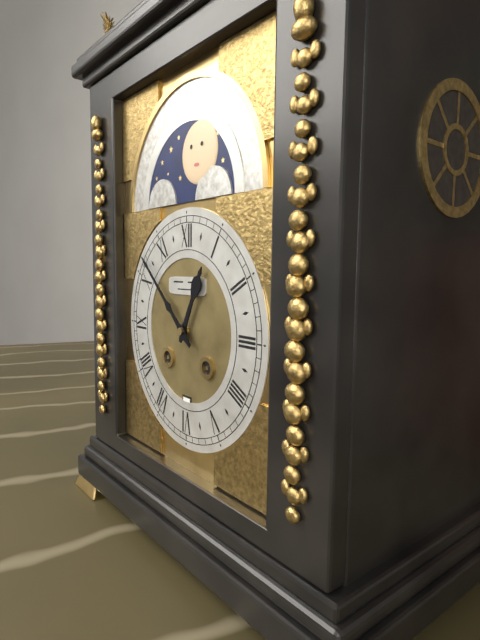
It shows 12,52
